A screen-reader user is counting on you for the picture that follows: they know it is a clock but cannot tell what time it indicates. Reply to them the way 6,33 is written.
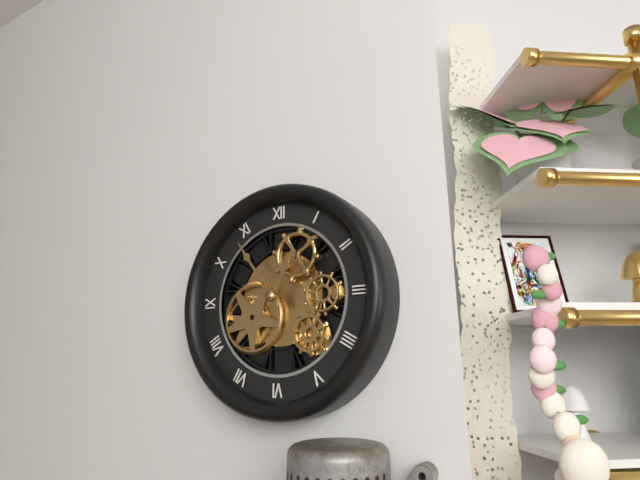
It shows 12,54
